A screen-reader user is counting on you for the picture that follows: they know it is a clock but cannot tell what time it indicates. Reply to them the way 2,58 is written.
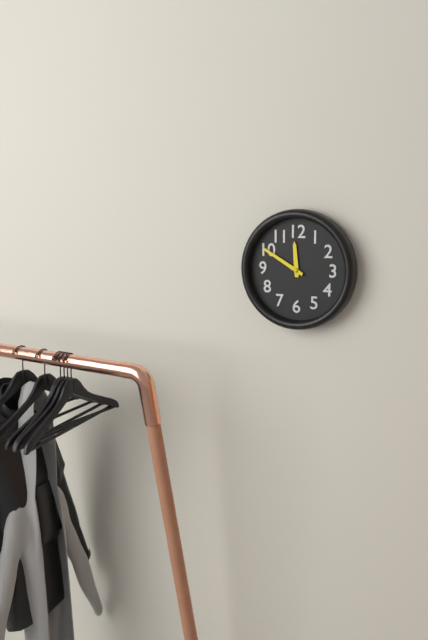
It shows 11,50
